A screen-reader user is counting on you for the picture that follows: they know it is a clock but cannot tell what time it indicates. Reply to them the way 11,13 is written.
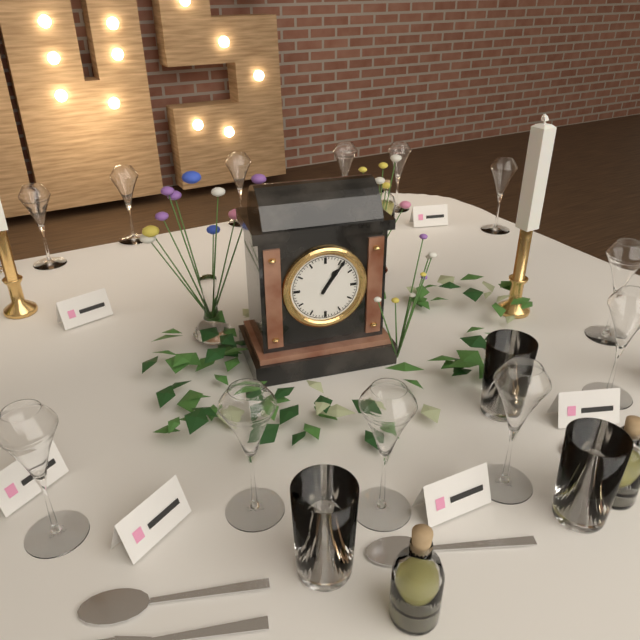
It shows 1,06
